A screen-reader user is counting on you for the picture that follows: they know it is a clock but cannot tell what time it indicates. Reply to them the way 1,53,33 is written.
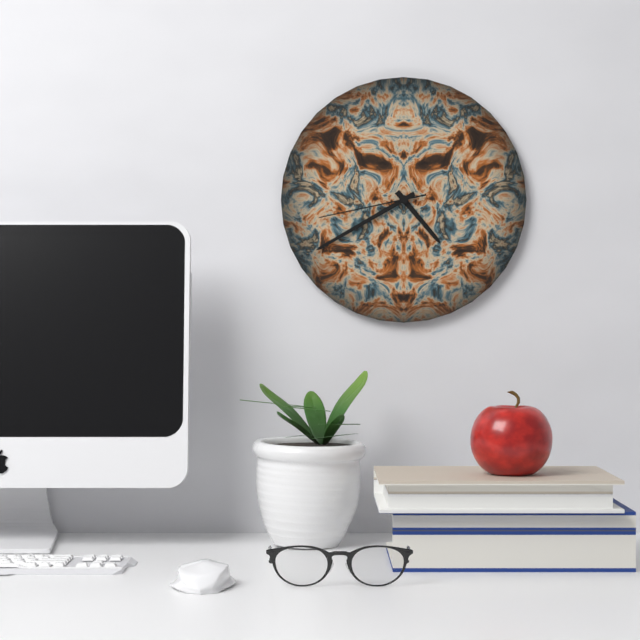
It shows 4,40,43
